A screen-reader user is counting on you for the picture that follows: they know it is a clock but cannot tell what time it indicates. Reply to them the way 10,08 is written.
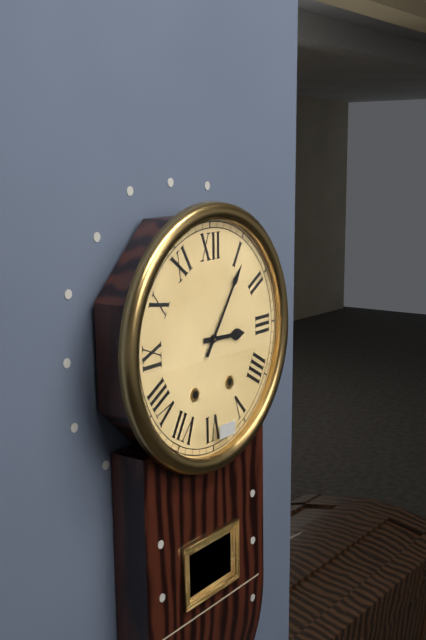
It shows 3,06
